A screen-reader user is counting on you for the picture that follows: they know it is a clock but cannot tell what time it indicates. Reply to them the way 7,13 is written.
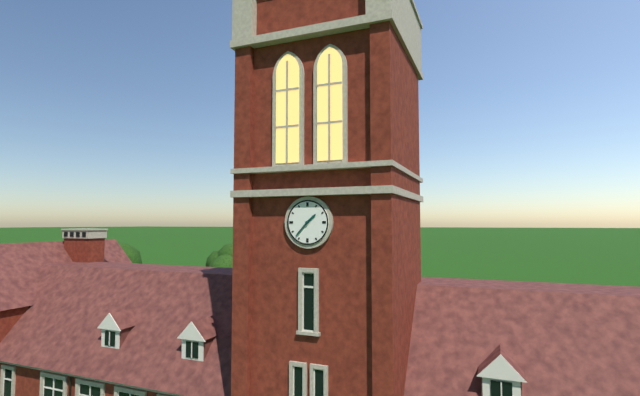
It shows 1,37
